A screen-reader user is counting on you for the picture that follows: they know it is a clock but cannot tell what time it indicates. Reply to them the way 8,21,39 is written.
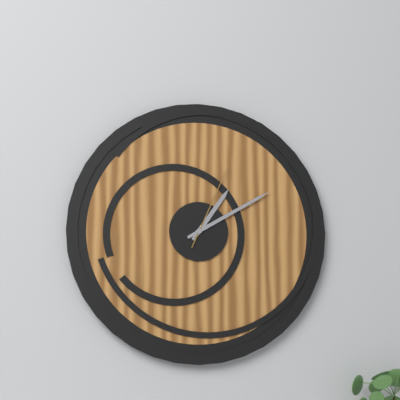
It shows 1,10,04
